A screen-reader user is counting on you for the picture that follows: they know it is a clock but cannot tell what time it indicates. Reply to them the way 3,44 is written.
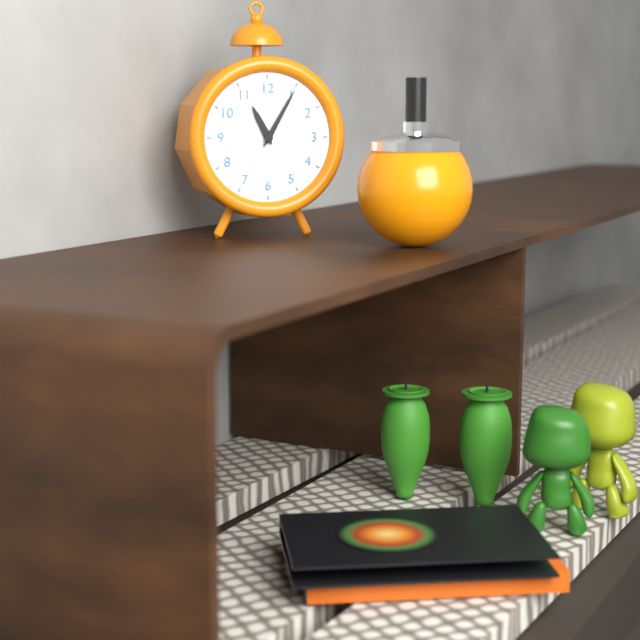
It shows 11,05
